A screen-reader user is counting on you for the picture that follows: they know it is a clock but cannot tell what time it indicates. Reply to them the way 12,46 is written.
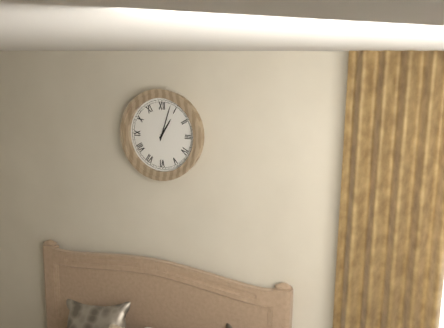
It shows 1,03
